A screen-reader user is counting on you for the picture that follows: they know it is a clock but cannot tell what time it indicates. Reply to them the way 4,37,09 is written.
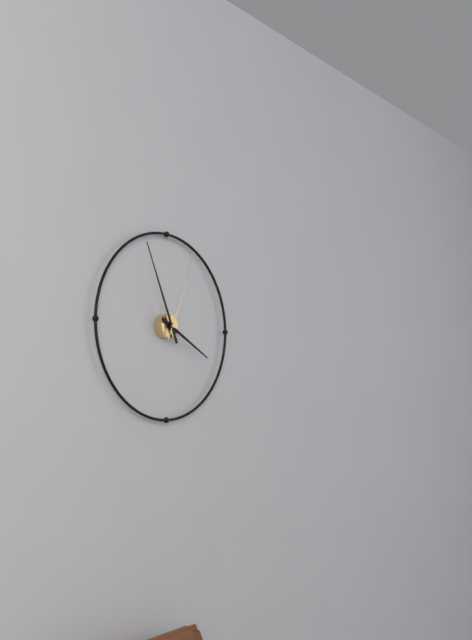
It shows 3,56,04
